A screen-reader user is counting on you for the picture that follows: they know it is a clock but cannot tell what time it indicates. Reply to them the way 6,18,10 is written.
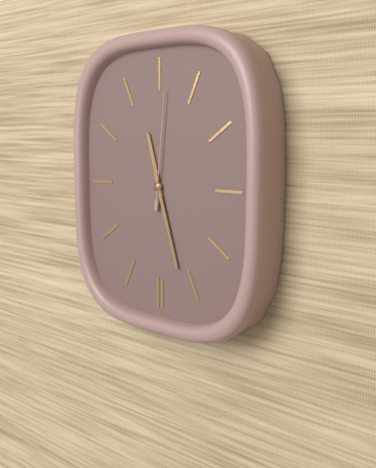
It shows 11,27,01
